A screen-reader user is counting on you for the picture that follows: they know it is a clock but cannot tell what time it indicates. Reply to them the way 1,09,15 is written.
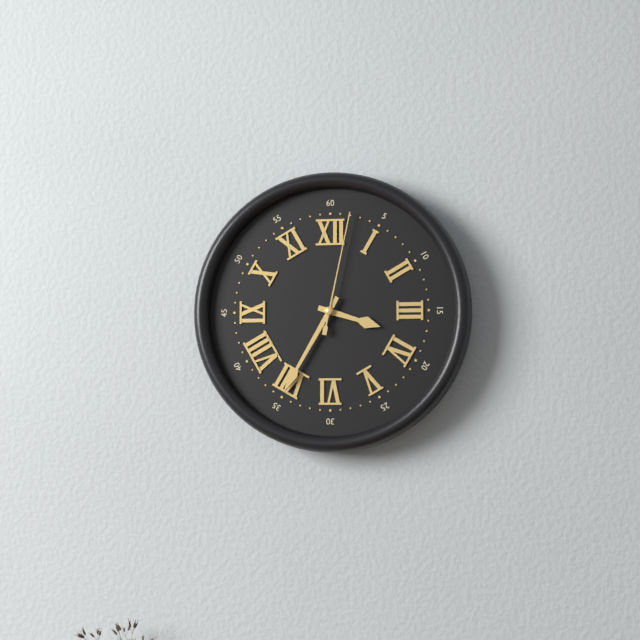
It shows 3,35,02
